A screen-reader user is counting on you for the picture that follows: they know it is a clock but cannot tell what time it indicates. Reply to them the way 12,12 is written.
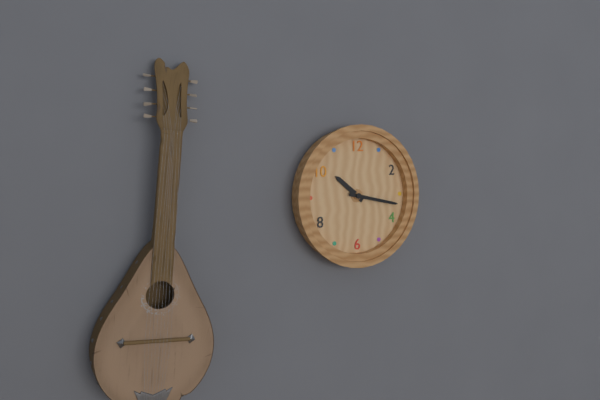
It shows 10,17
